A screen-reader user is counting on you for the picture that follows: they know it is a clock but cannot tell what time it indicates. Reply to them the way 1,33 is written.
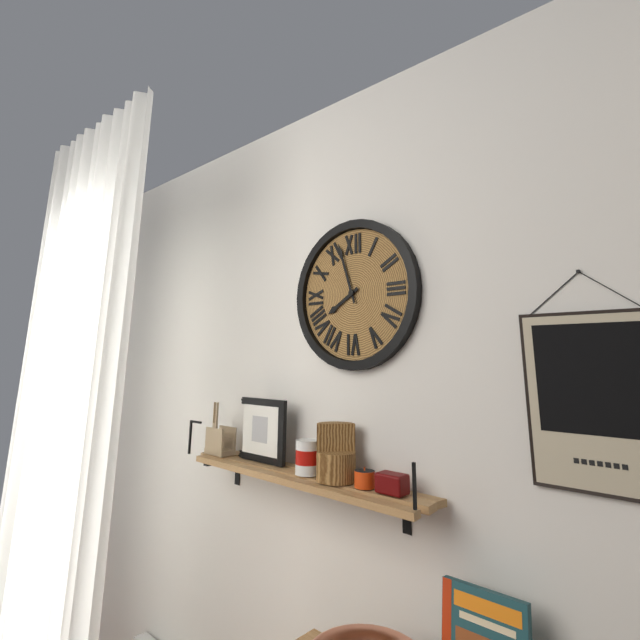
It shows 7,57
